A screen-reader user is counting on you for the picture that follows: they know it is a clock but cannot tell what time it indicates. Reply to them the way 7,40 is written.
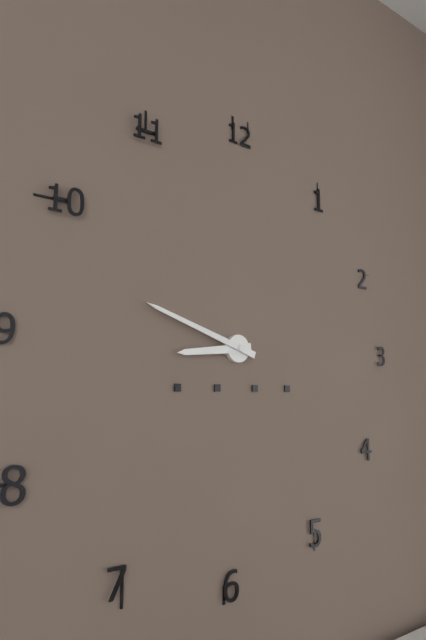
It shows 8,48
